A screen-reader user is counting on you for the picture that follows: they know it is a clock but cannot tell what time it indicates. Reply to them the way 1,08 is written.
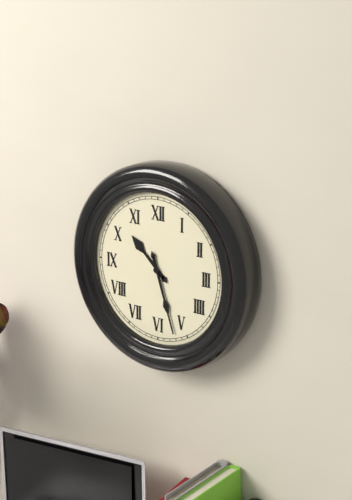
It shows 10,27
